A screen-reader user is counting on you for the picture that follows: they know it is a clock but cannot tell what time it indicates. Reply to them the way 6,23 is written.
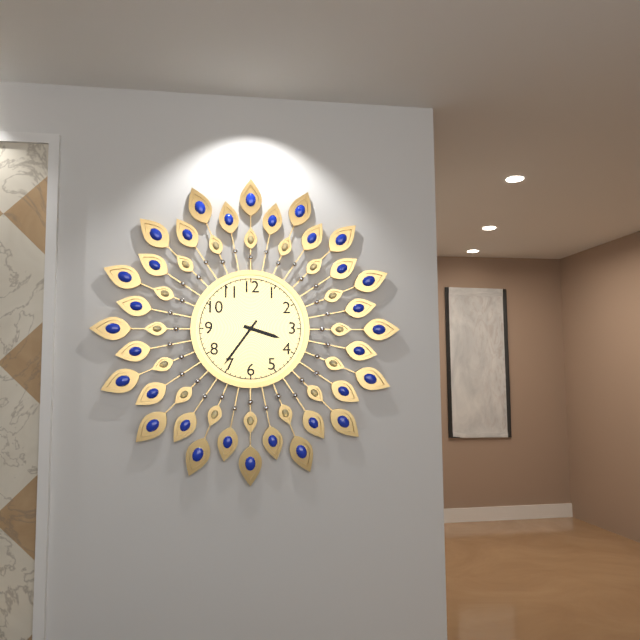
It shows 3,36
